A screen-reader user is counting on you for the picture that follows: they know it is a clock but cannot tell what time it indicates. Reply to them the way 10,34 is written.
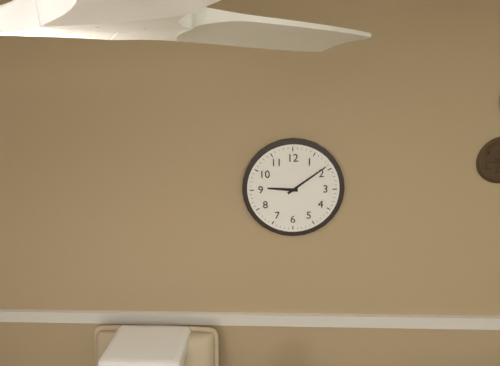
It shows 9,09
